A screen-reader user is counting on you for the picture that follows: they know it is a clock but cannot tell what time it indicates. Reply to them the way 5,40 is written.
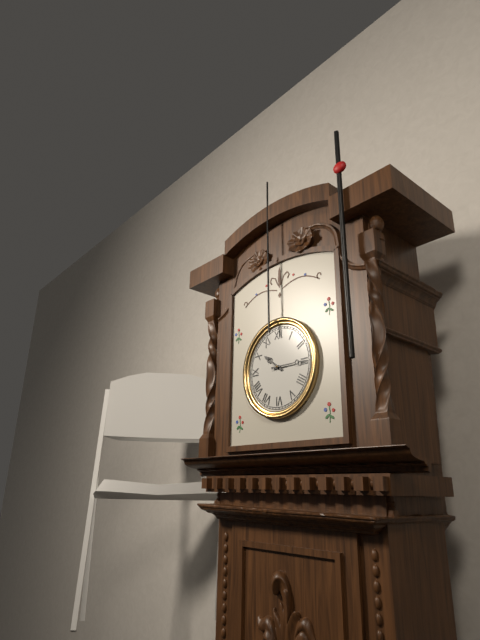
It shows 10,15
